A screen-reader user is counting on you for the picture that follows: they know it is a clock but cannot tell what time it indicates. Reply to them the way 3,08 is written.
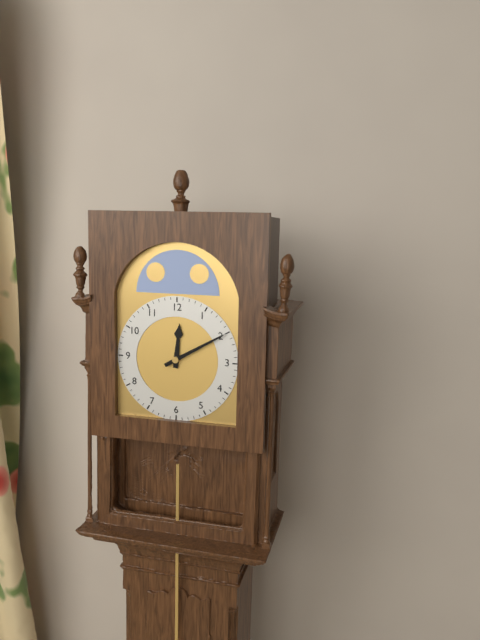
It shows 12,10
